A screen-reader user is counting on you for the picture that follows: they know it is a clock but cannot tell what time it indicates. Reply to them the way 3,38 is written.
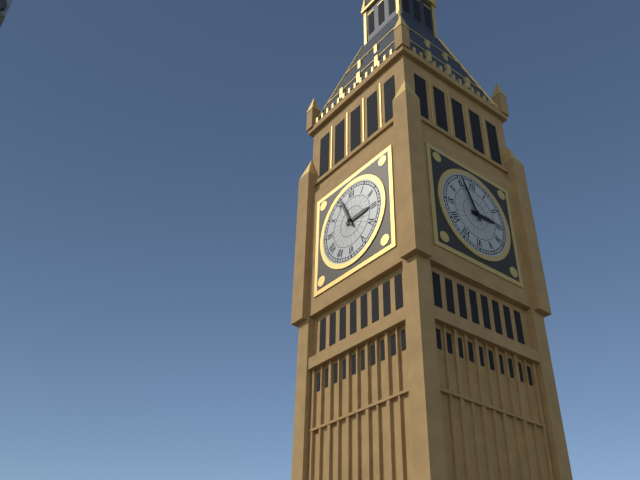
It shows 2,56
